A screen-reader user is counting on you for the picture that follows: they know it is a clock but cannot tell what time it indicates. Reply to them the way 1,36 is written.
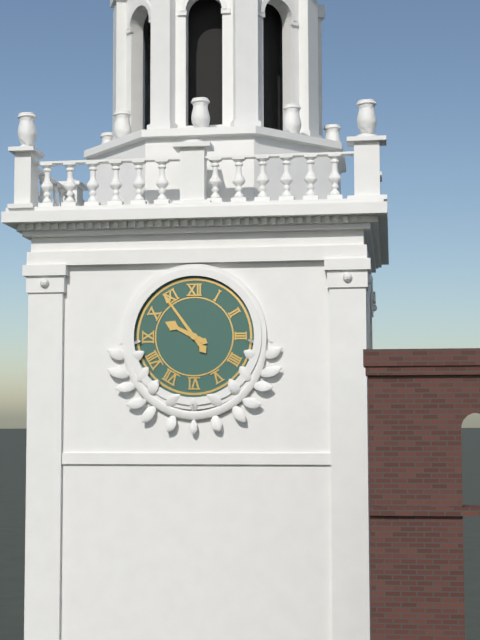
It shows 9,54
